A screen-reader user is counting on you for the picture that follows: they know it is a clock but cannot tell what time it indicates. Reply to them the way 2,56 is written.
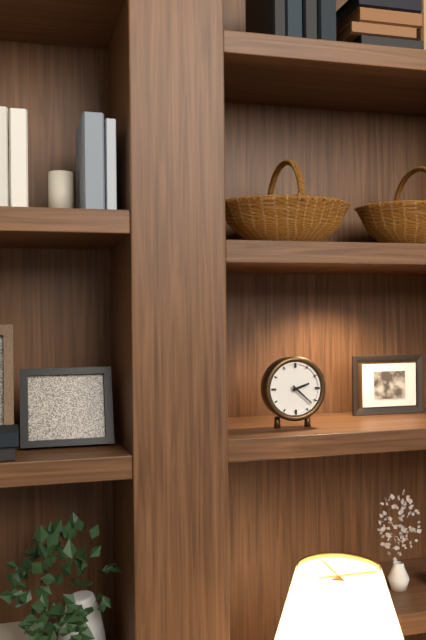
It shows 2,22
